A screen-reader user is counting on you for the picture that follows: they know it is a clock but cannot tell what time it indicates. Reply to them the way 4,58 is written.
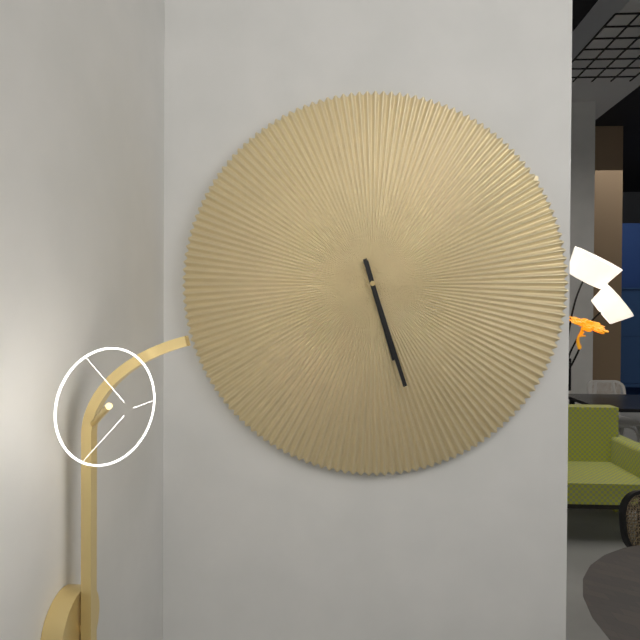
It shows 5,27
